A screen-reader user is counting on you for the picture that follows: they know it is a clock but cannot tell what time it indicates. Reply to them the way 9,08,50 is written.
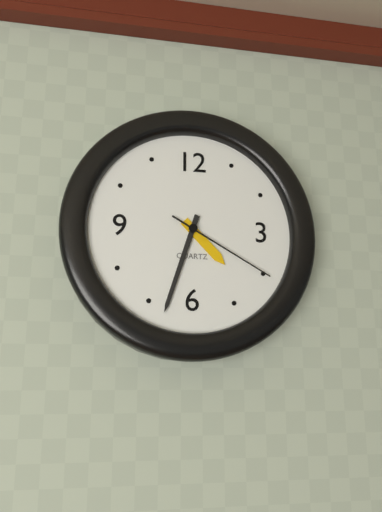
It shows 4,33,20
